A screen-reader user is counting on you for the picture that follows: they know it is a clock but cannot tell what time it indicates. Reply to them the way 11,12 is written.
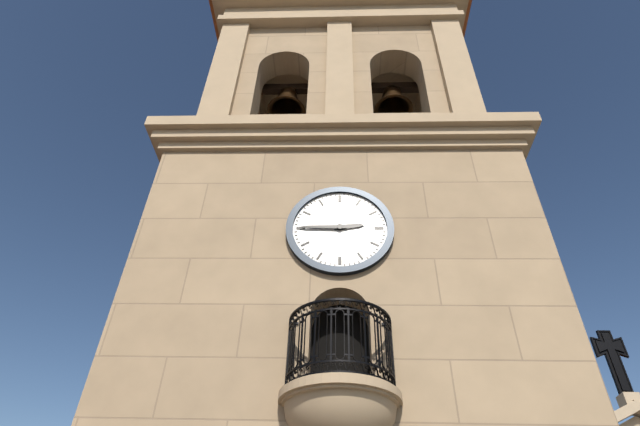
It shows 2,45
